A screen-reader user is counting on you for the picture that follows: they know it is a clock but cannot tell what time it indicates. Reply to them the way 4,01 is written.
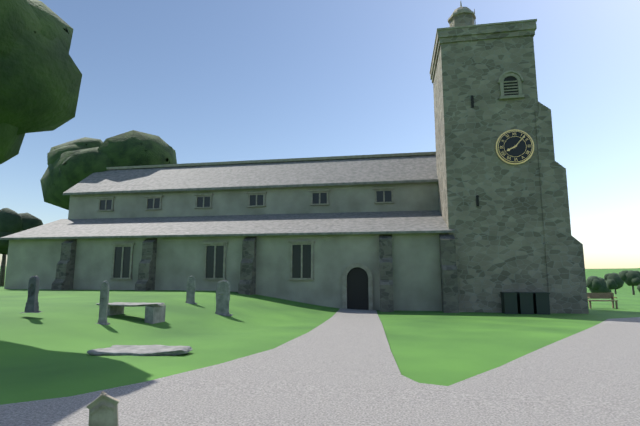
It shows 8,07
